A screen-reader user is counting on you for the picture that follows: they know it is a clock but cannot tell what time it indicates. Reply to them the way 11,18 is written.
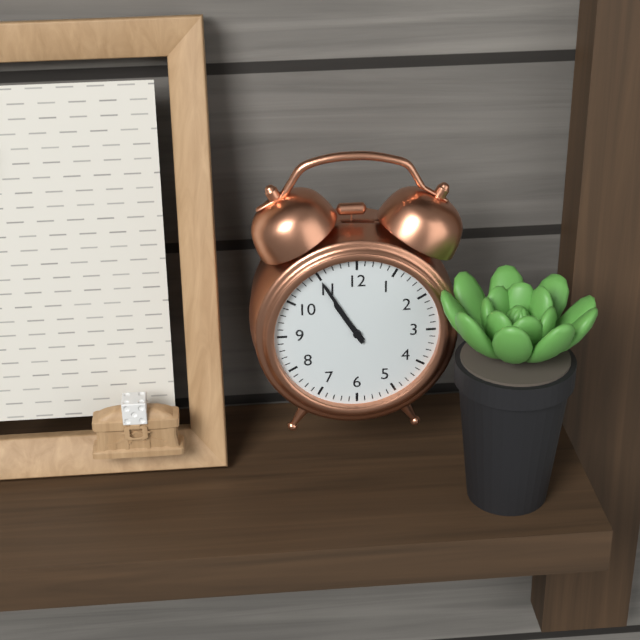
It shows 10,55
